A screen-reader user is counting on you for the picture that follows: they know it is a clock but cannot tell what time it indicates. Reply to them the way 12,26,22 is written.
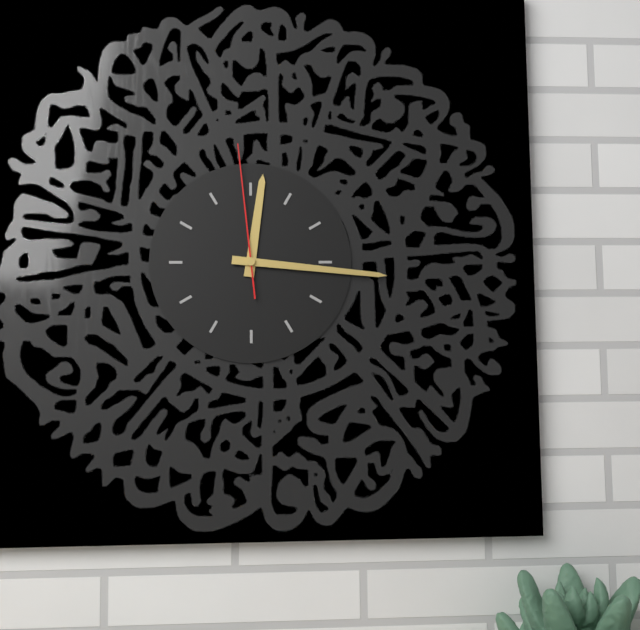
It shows 12,16,59
